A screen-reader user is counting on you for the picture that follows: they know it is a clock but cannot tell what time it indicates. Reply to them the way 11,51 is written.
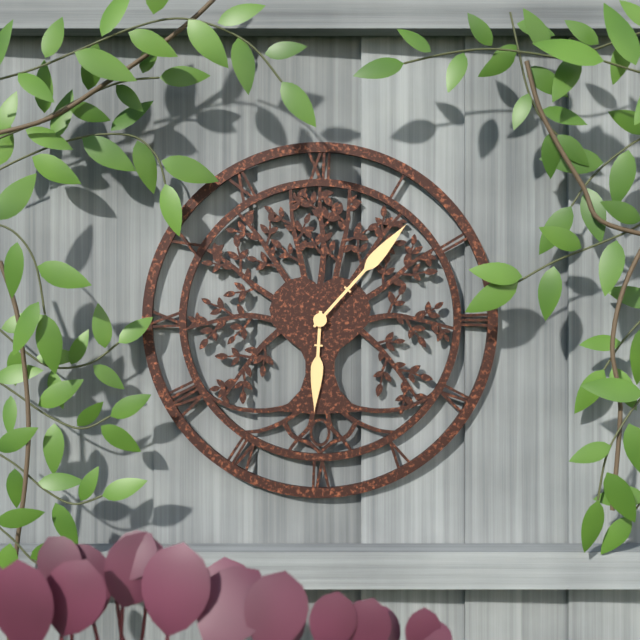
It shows 6,07
